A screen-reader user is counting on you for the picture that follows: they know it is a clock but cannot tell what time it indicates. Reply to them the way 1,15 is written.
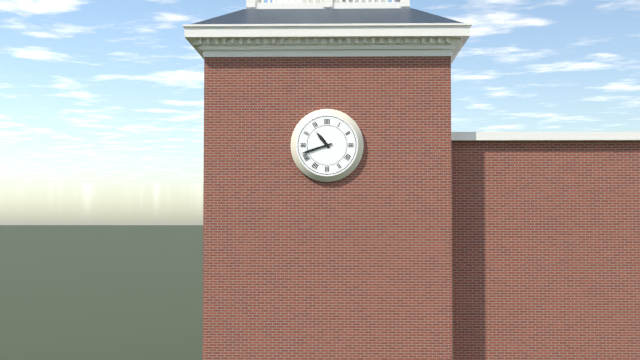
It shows 10,42
